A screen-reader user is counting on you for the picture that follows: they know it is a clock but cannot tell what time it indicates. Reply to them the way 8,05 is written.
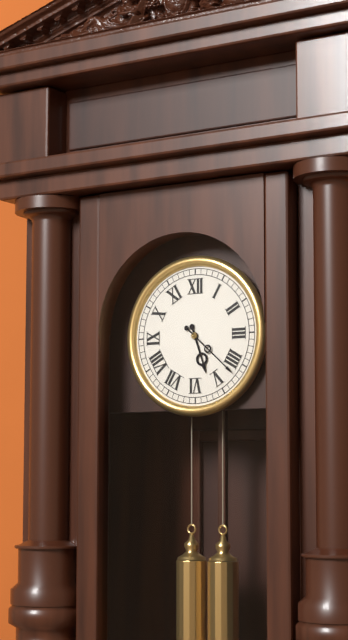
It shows 5,22
